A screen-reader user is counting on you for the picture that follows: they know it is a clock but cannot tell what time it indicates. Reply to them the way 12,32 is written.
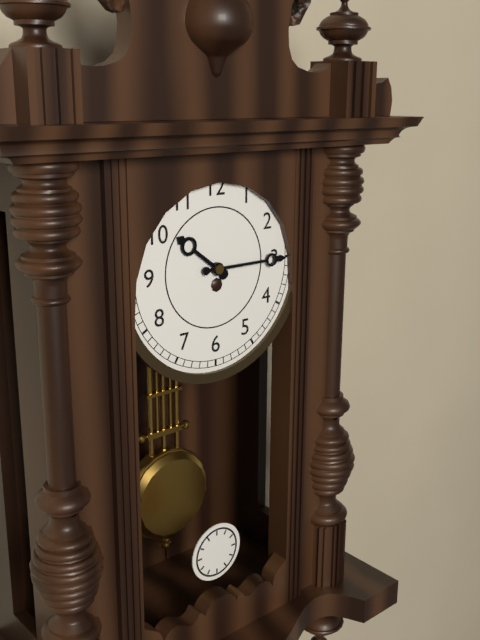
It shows 10,15
